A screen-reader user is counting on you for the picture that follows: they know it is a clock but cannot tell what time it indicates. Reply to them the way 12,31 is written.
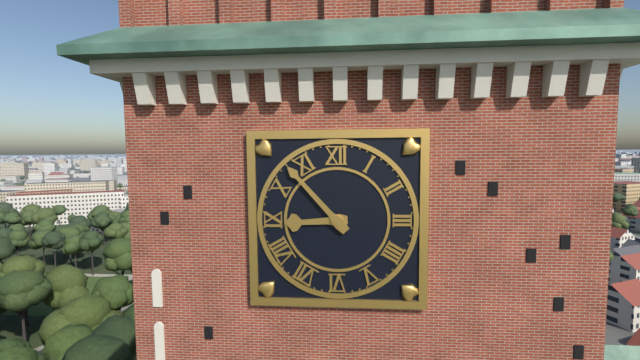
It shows 8,53
